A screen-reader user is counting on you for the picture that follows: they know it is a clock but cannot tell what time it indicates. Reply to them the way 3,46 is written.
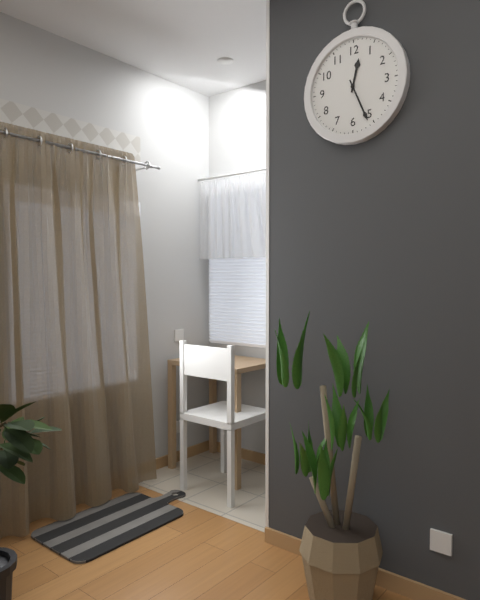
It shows 12,26
